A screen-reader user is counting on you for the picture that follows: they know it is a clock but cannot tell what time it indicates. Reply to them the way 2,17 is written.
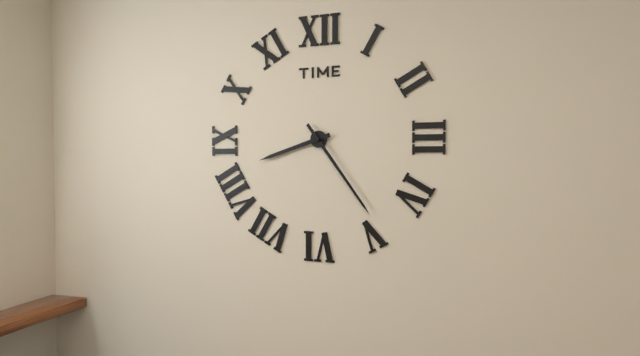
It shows 8,24
